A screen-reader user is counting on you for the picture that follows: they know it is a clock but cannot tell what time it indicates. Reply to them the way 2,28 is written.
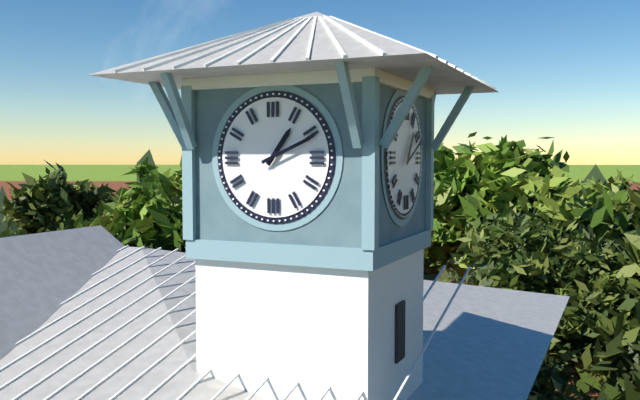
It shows 1,11
